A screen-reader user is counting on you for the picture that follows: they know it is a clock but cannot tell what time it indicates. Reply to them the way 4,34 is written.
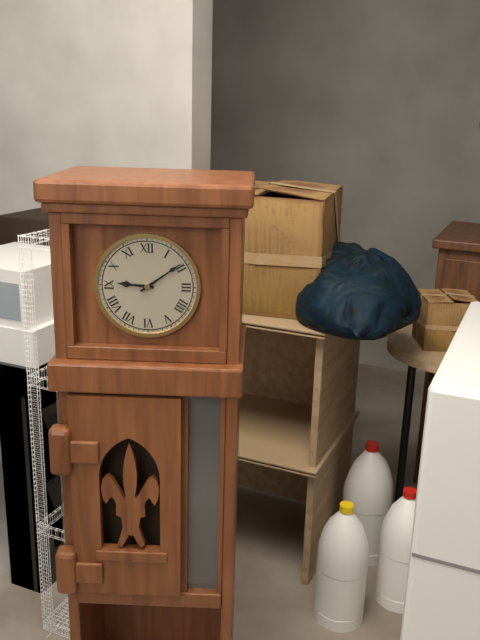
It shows 9,09
